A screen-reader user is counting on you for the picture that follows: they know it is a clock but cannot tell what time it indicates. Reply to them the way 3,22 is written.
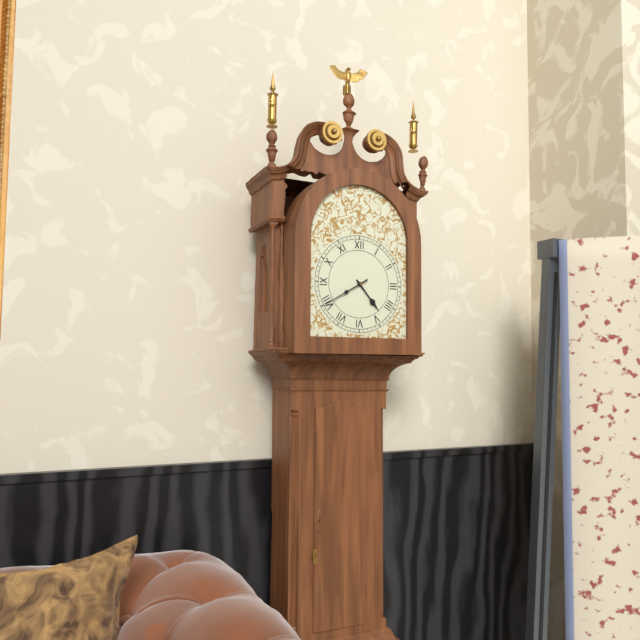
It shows 4,40
